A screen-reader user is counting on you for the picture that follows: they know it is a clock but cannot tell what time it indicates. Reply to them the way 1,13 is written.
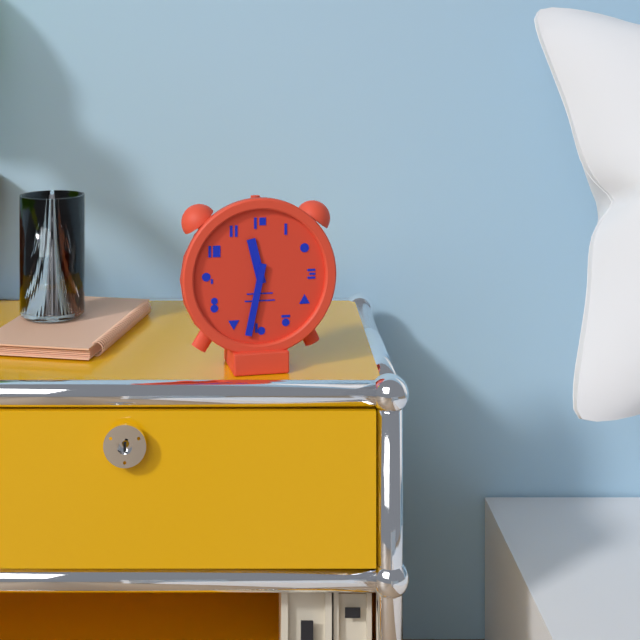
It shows 11,32
